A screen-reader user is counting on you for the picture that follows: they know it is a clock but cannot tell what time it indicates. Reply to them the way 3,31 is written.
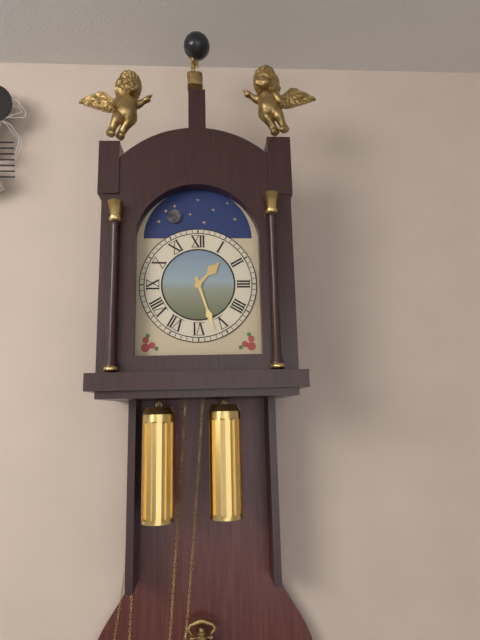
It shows 1,27
